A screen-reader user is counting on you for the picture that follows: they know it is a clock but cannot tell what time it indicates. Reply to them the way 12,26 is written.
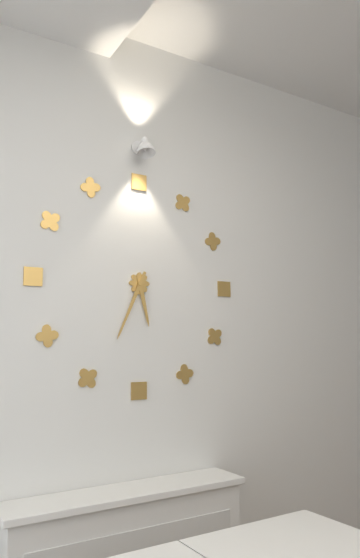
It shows 5,34
